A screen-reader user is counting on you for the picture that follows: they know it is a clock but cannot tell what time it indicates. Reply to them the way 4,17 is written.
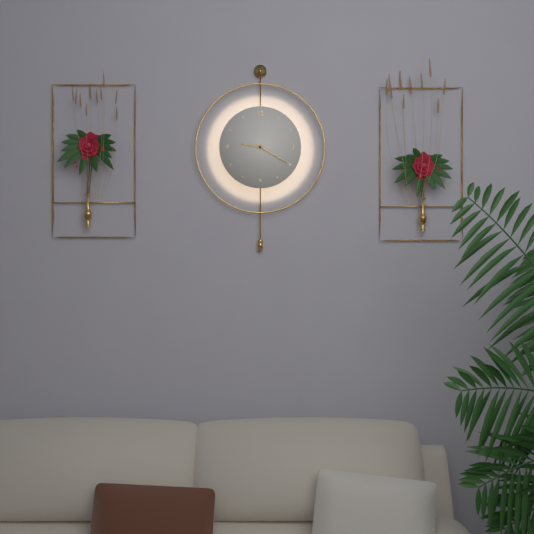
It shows 9,20
